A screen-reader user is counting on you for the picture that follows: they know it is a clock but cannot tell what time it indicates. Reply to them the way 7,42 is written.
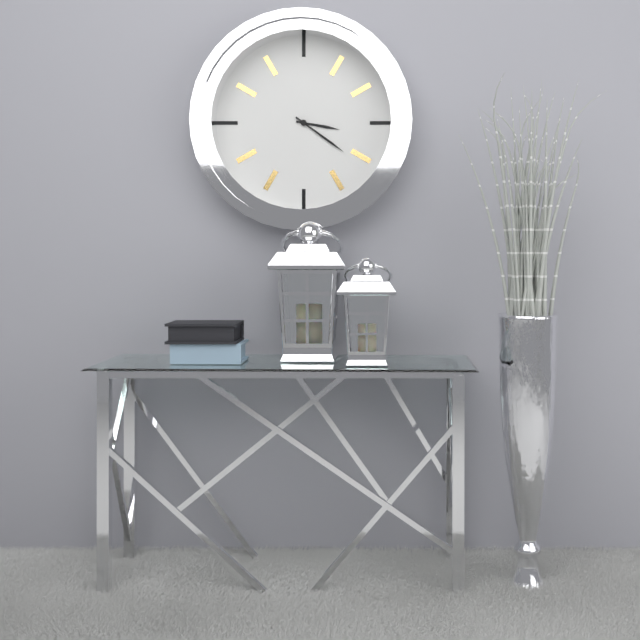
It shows 3,21
